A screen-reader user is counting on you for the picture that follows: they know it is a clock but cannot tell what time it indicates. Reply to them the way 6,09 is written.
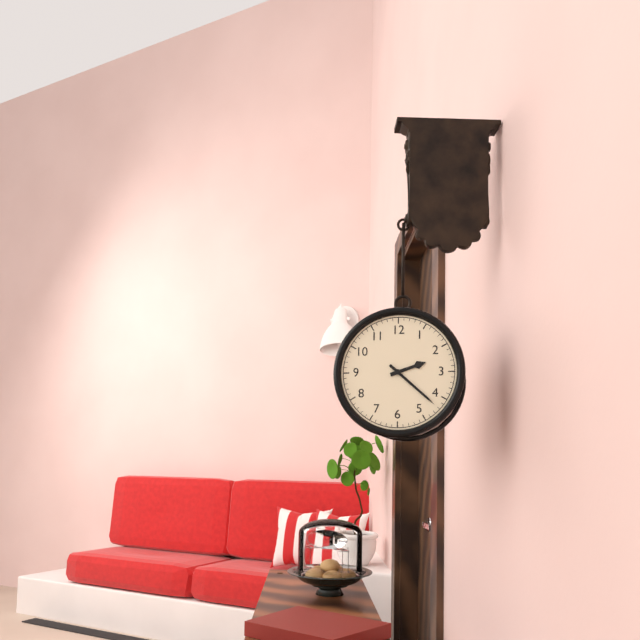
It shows 2,22
